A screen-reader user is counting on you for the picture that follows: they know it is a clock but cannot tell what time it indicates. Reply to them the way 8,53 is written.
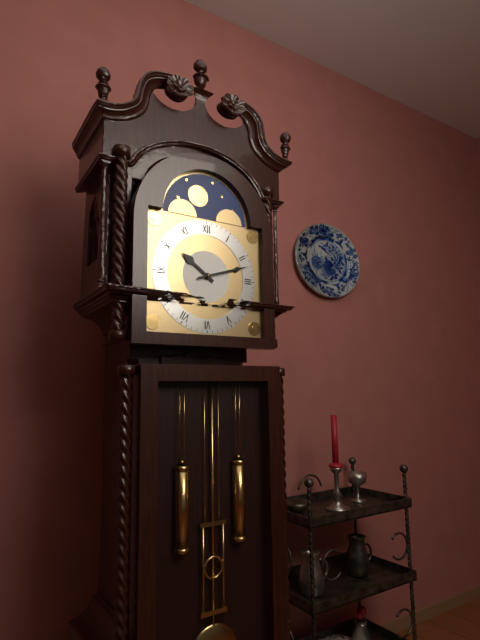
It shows 10,12
